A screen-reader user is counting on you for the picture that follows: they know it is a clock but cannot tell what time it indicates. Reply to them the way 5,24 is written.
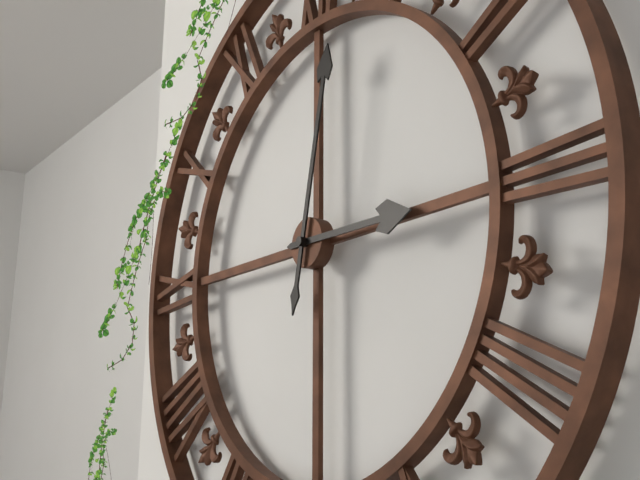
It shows 3,02
